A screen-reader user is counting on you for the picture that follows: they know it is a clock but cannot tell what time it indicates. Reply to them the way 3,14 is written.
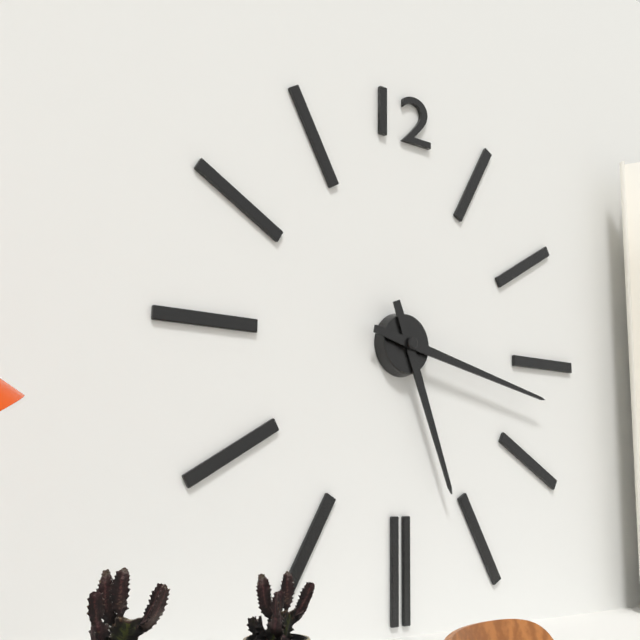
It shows 5,17
